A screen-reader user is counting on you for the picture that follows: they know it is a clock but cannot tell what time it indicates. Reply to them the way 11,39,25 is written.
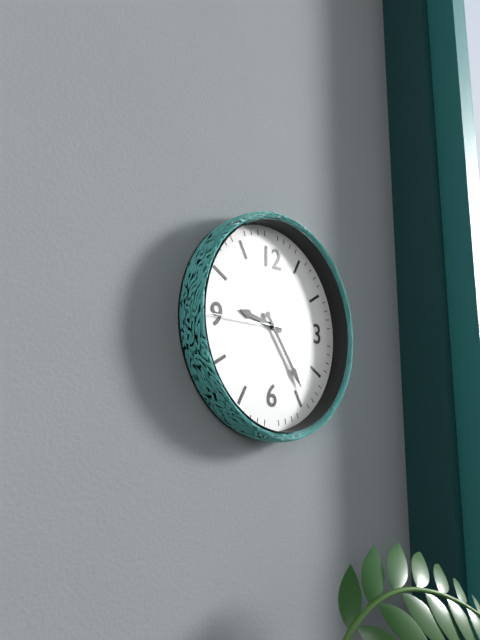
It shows 9,24,45
